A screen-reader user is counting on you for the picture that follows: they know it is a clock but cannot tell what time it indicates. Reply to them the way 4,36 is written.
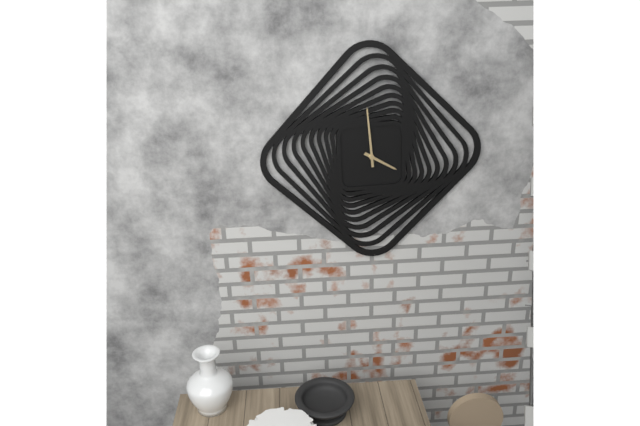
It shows 3,59
